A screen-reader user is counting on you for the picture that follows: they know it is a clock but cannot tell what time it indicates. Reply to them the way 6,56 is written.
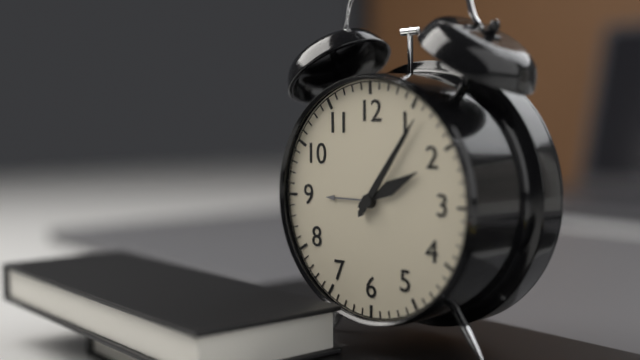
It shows 2,06
